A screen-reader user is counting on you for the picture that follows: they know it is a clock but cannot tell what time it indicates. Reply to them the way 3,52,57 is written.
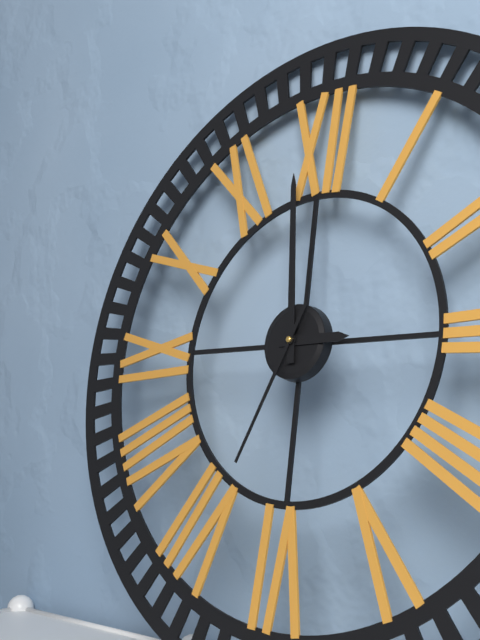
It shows 2,59,34
